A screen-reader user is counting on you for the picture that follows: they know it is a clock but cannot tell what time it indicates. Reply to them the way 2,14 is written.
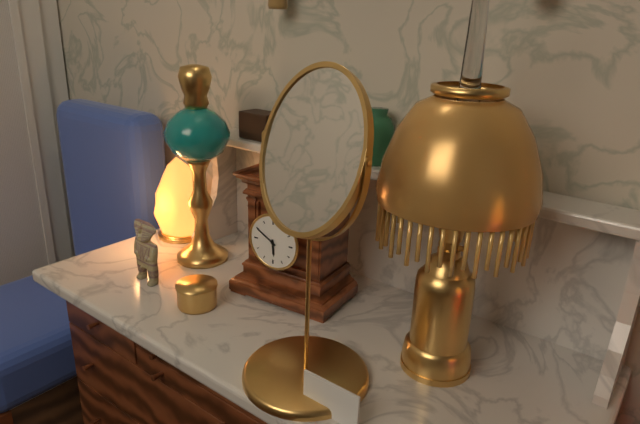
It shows 5,50
